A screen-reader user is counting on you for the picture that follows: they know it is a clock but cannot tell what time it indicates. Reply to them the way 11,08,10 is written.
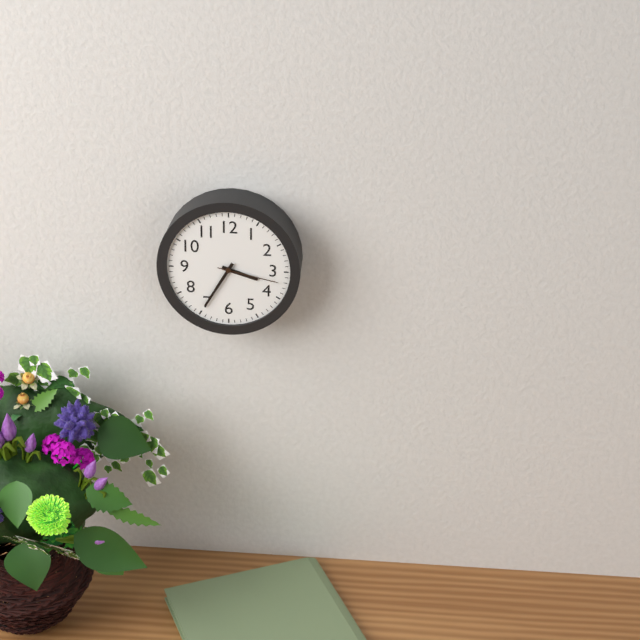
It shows 3,35,17
